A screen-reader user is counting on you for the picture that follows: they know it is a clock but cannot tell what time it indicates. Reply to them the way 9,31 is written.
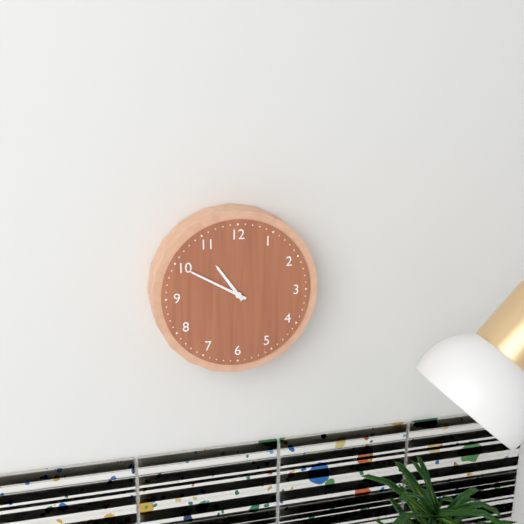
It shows 10,50
